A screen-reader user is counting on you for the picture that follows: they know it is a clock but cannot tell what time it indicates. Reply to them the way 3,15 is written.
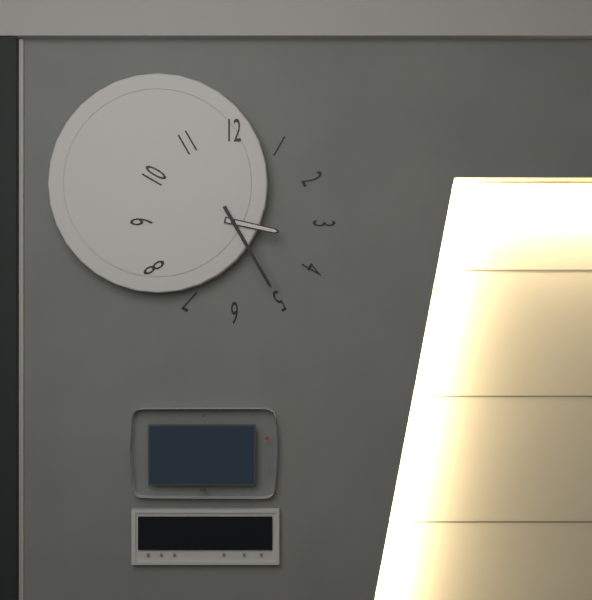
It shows 3,25
